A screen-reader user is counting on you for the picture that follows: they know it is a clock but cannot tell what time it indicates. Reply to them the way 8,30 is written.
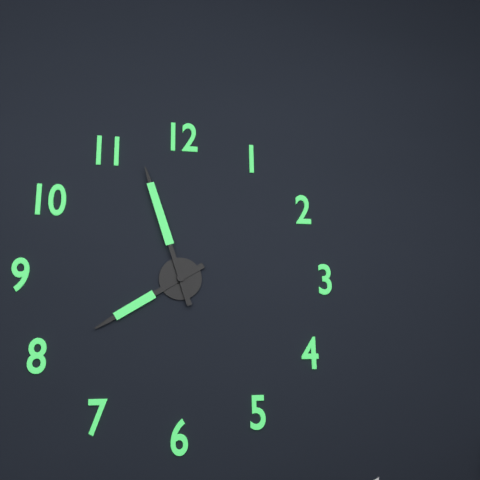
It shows 7,57
